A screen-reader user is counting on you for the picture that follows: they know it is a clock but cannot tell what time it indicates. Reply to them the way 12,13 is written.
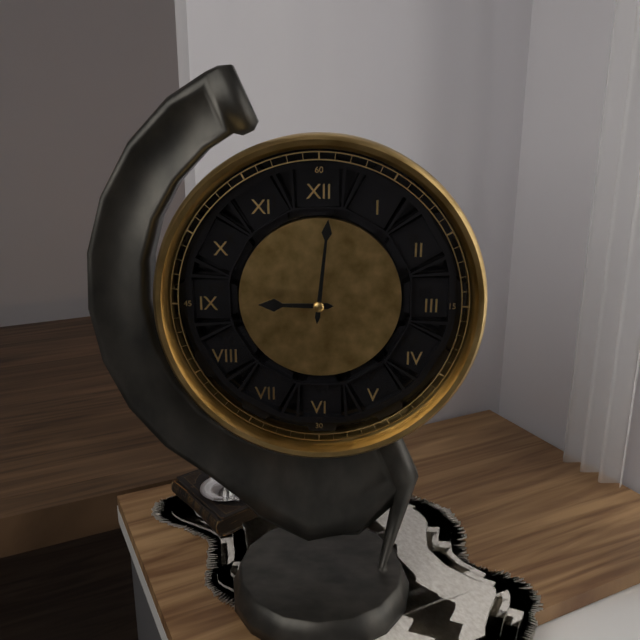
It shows 9,01
